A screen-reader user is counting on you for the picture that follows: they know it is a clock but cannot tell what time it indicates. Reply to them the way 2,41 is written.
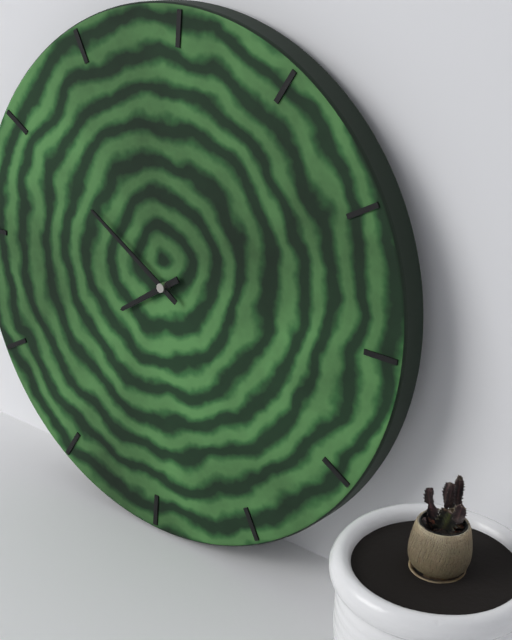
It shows 7,50
